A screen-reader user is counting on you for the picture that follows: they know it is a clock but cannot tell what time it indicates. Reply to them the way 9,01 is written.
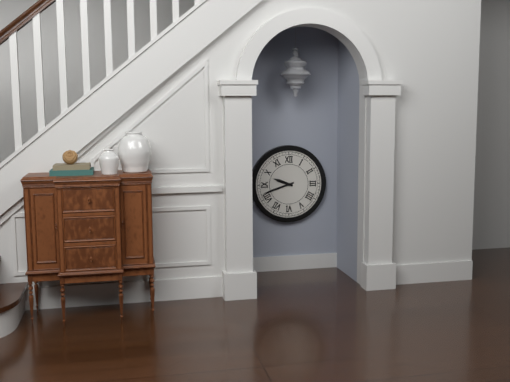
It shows 9,42
